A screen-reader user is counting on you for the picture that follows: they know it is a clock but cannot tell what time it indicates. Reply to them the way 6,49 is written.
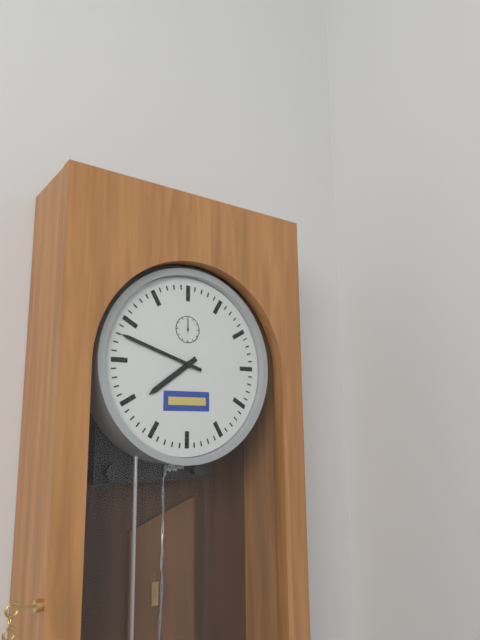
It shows 7,48
